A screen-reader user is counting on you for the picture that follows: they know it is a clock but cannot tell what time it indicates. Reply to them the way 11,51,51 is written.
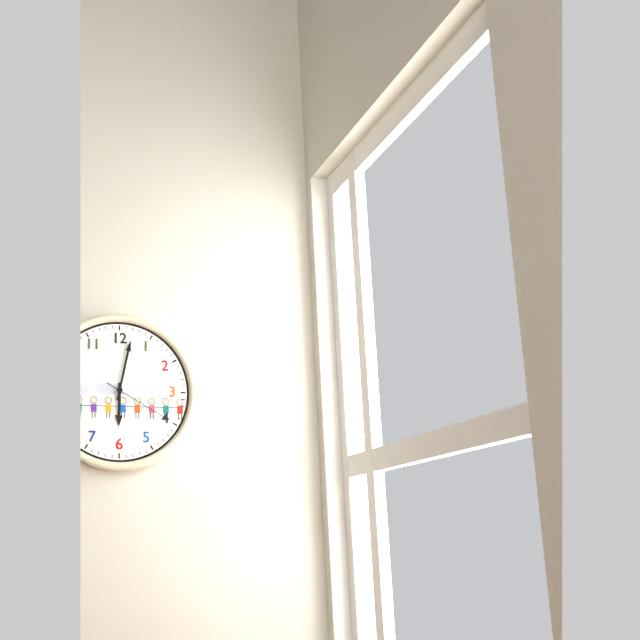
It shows 6,02,20
